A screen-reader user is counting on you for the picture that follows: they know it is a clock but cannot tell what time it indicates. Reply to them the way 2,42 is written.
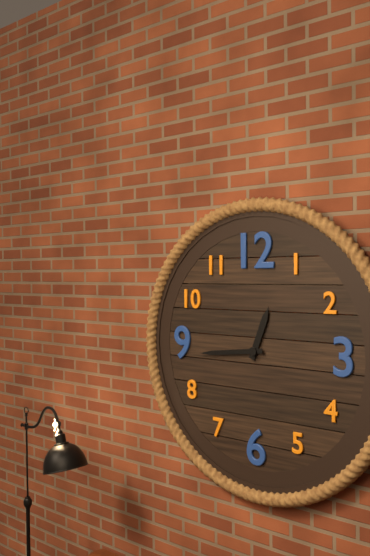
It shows 12,44
